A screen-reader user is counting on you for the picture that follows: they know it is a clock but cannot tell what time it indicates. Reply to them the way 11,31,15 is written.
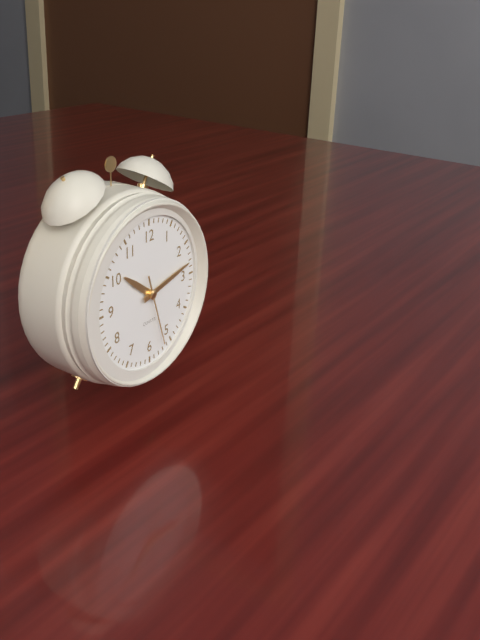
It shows 10,13,27
